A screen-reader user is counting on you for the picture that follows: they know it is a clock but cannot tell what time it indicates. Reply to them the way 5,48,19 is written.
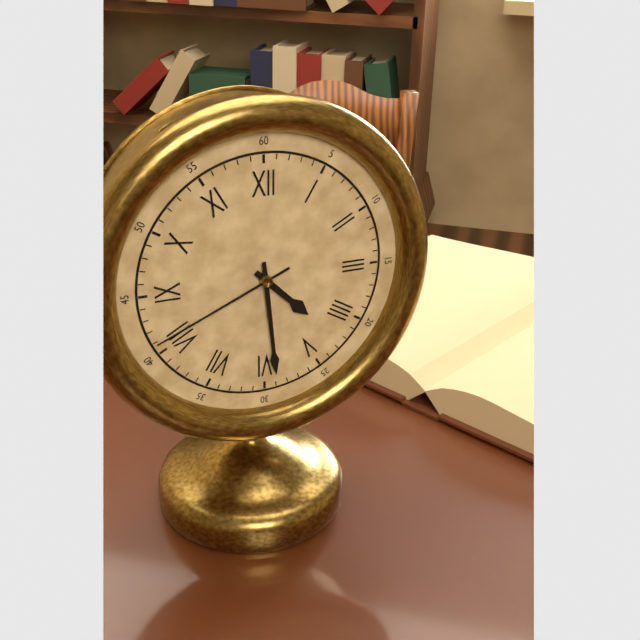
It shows 4,29,41
